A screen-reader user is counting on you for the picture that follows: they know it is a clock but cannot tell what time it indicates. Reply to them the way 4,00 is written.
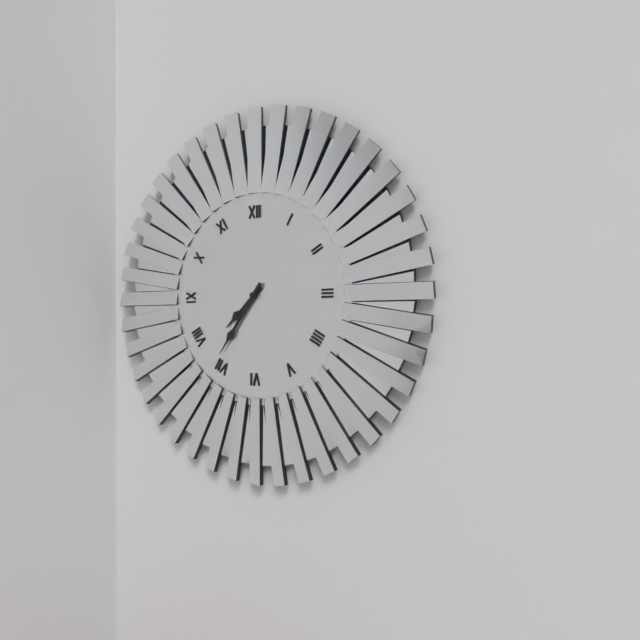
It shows 7,36
